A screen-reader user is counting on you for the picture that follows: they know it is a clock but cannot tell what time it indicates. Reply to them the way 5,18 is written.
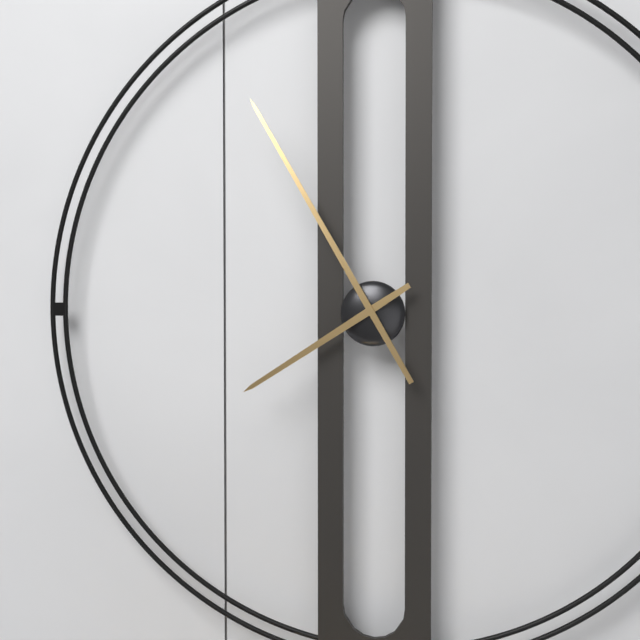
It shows 7,55
